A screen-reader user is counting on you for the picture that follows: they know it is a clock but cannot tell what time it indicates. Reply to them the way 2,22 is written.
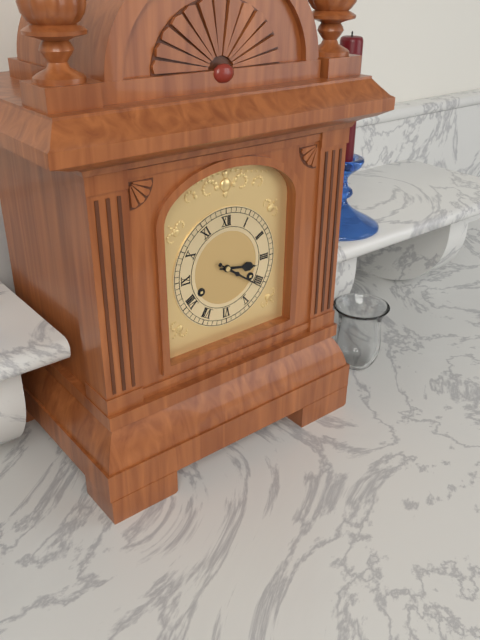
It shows 3,21
